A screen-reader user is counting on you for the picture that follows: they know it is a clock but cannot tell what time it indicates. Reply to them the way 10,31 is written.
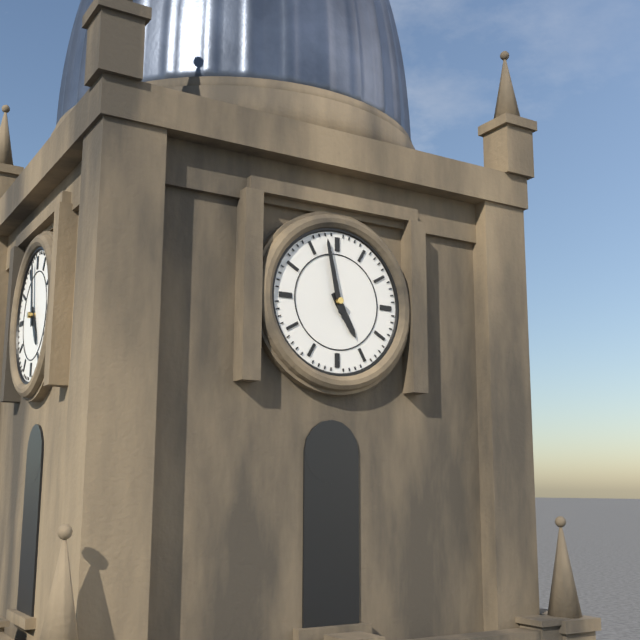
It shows 4,58
